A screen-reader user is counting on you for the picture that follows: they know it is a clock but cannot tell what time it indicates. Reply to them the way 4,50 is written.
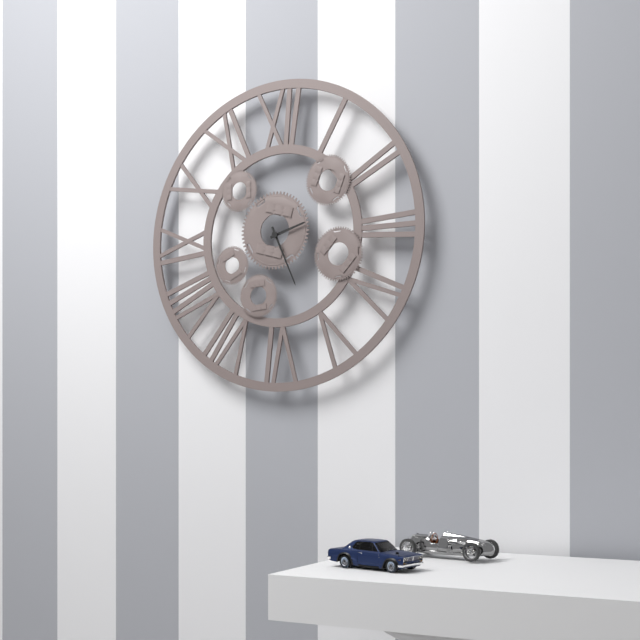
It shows 2,26
